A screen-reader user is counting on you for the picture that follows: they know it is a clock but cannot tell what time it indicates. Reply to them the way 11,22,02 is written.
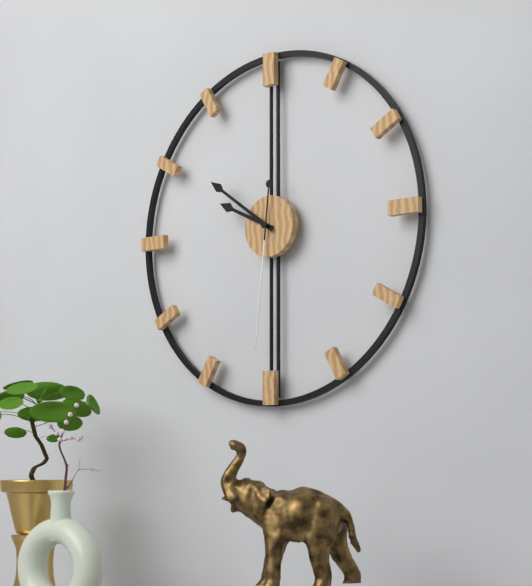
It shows 9,51,31
